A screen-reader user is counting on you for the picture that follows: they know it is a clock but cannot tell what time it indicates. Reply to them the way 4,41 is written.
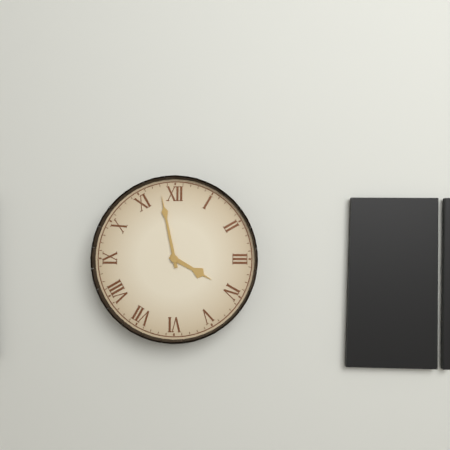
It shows 3,58
